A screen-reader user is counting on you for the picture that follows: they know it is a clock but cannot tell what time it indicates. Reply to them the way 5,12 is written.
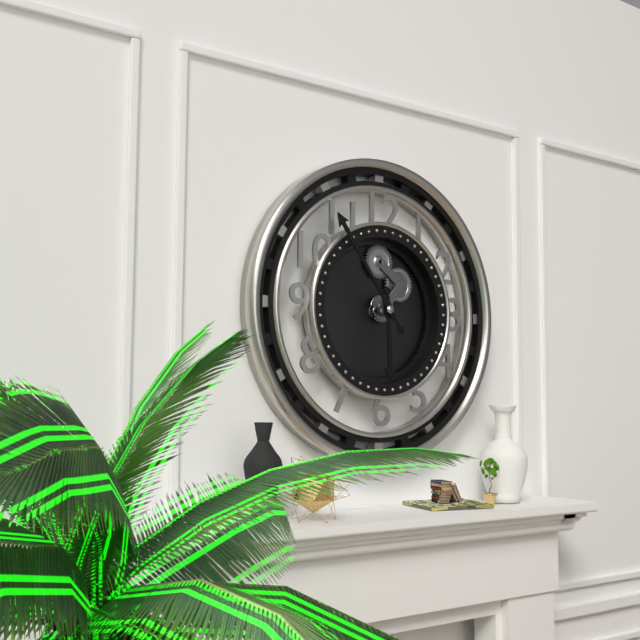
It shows 5,54
